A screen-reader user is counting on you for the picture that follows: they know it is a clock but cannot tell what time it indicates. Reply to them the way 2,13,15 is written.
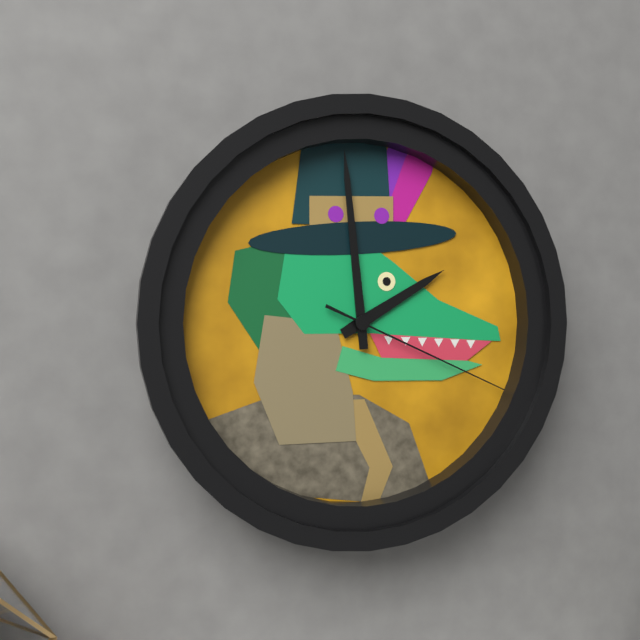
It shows 1,59,19
